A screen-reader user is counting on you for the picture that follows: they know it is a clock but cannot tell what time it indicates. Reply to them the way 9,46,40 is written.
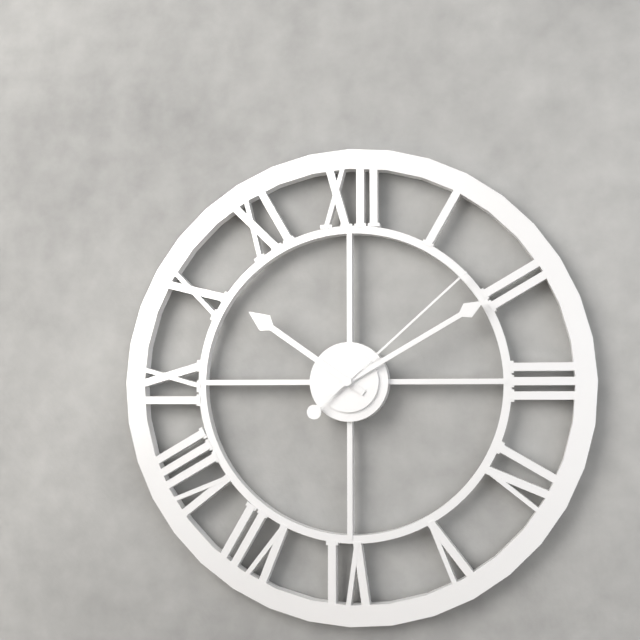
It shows 10,10,08
